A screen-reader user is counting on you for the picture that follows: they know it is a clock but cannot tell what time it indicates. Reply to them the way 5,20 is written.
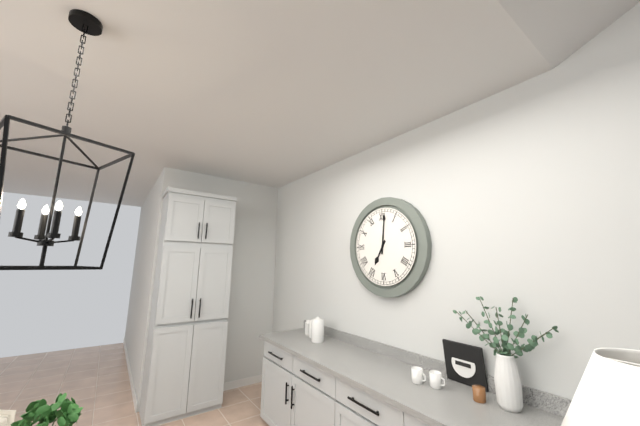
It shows 7,01
